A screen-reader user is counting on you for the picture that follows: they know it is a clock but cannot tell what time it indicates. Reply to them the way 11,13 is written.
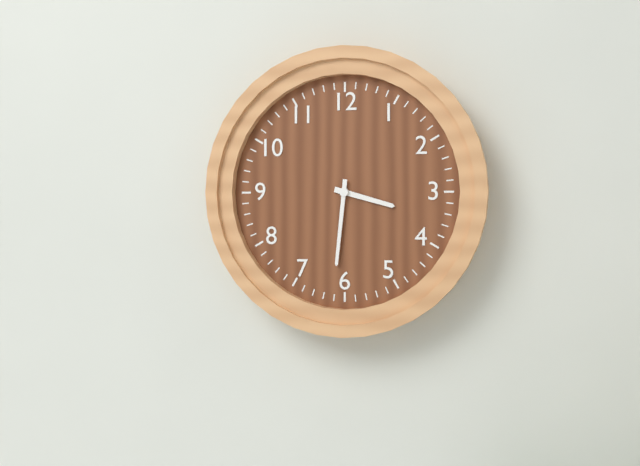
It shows 3,31
